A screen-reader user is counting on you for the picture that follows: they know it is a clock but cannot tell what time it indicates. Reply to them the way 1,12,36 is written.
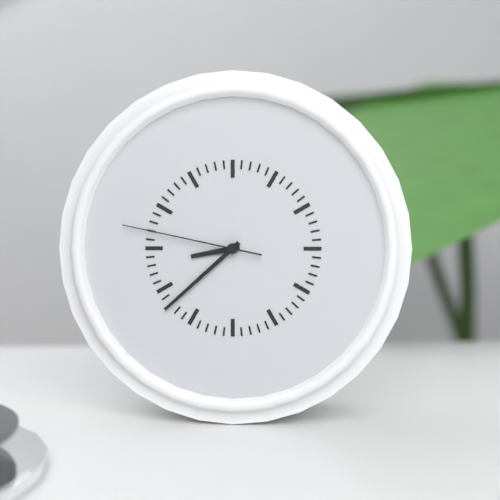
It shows 8,38,47
